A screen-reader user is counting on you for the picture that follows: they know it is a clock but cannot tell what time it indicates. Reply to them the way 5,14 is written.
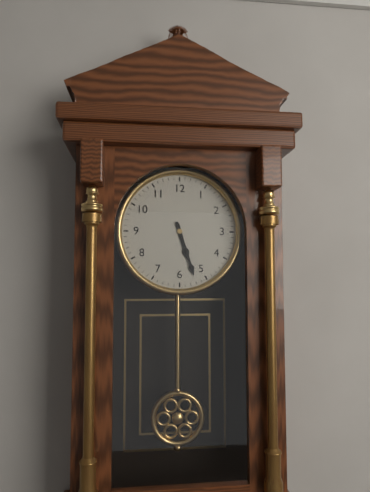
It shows 5,27
